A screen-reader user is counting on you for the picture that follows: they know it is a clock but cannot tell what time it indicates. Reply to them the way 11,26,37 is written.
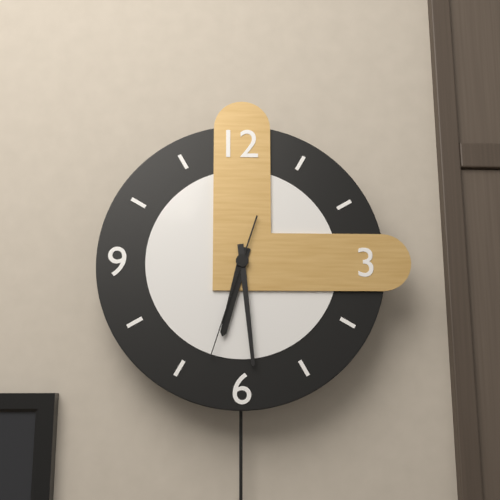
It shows 6,29,33
